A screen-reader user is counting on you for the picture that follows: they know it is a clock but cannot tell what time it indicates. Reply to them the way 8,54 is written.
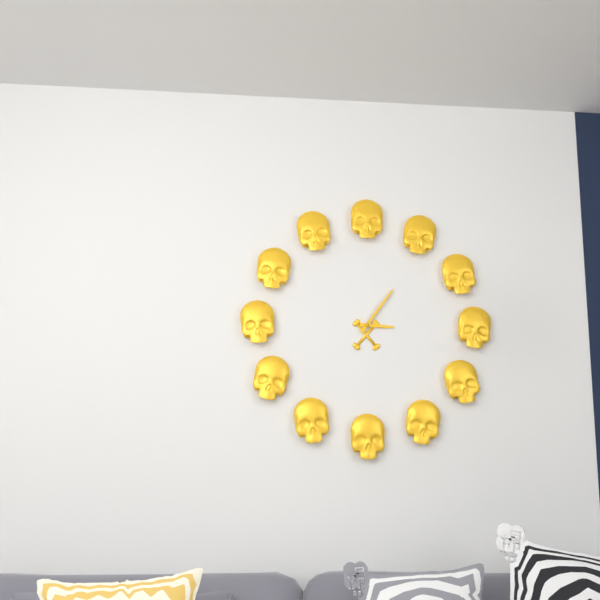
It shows 3,06
